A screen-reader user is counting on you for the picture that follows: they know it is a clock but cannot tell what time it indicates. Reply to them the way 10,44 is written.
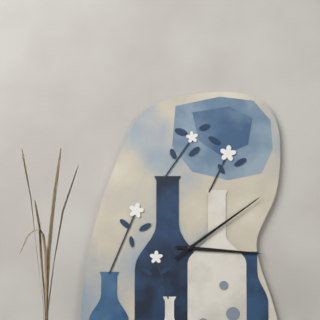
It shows 3,09
